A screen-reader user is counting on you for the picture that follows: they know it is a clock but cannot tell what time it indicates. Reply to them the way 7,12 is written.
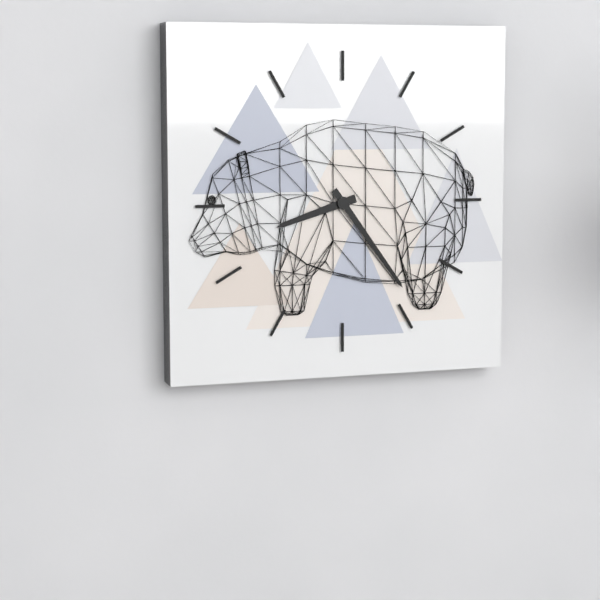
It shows 8,24
